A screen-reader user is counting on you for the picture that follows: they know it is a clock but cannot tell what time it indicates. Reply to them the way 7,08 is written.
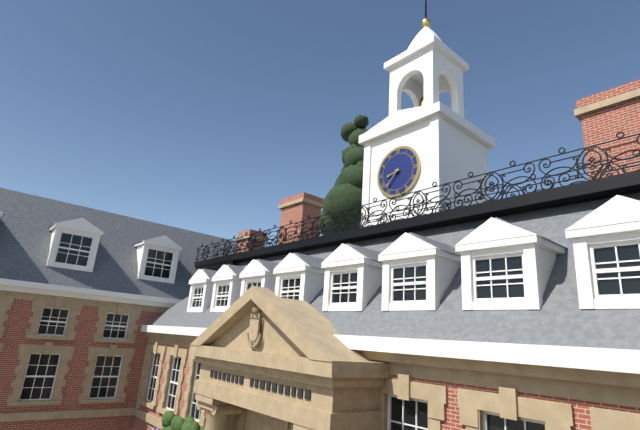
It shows 8,37
